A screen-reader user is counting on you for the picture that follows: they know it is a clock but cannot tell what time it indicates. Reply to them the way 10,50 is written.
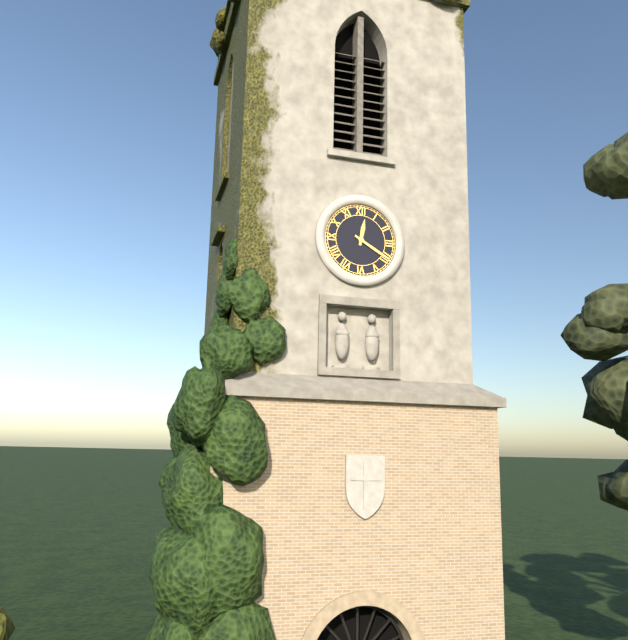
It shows 12,20
